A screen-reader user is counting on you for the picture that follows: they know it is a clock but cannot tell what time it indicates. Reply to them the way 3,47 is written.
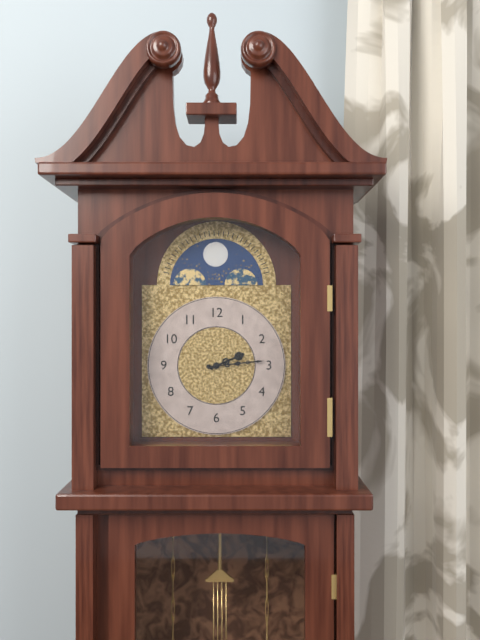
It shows 2,14
